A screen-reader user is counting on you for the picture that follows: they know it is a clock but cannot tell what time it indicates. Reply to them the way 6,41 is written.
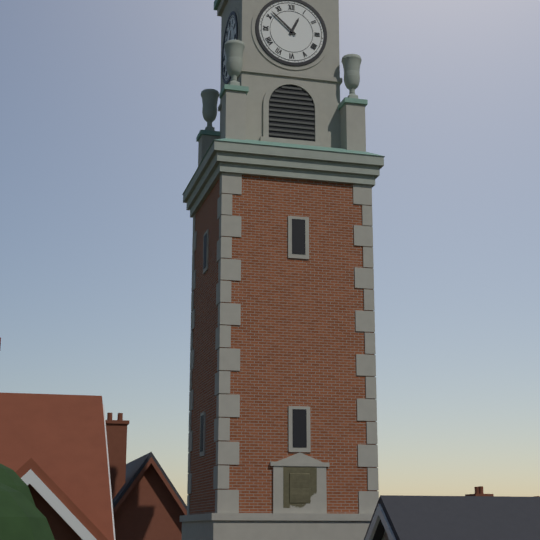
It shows 12,52
